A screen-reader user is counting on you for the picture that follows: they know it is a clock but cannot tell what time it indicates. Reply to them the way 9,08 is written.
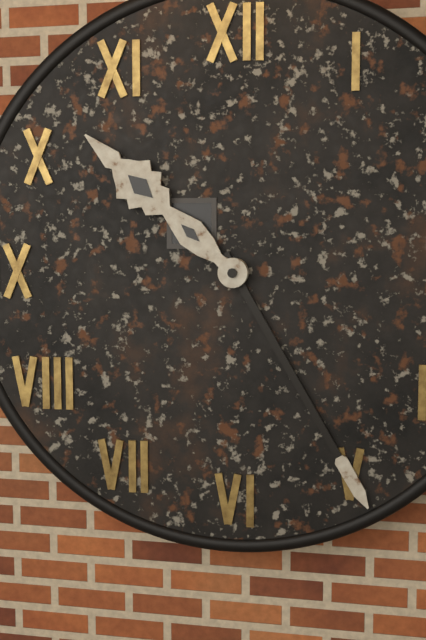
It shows 10,25
